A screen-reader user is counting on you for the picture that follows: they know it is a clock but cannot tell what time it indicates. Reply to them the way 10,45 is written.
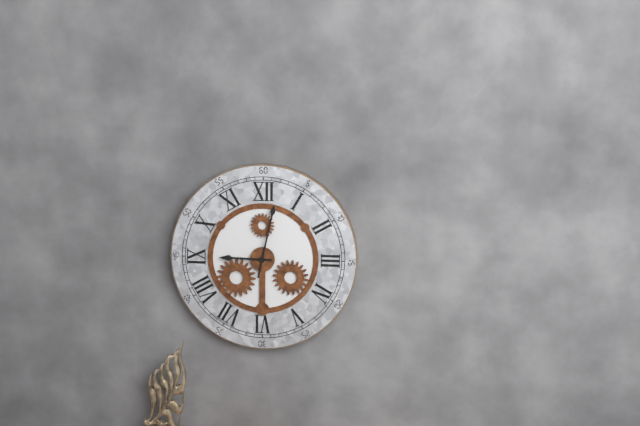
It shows 9,02
